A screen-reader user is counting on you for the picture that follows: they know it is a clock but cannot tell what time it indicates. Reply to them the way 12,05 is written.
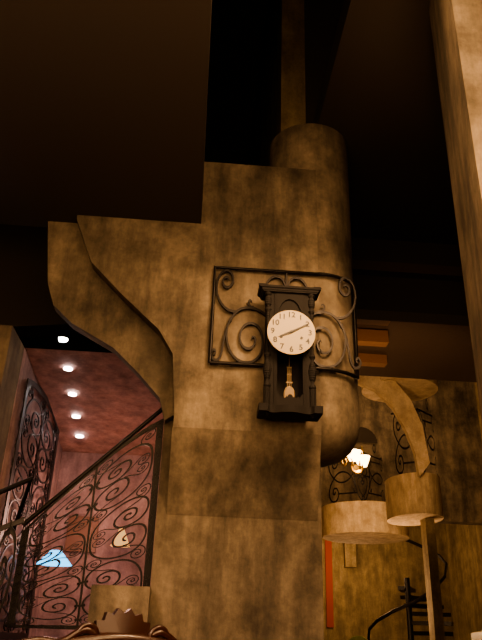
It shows 8,10
